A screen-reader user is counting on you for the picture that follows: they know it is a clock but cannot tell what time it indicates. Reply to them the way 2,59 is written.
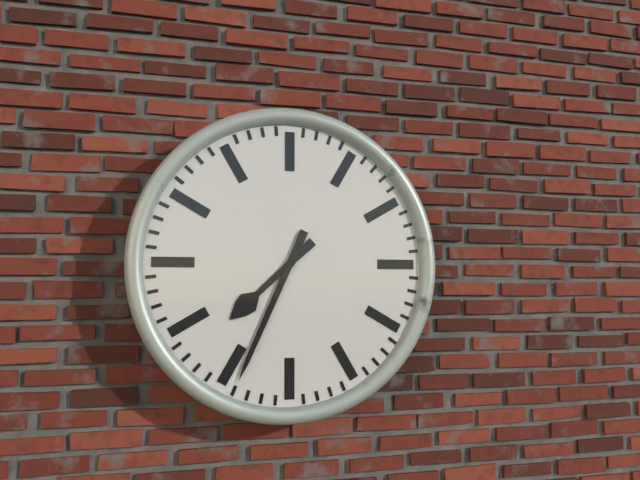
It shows 7,34
